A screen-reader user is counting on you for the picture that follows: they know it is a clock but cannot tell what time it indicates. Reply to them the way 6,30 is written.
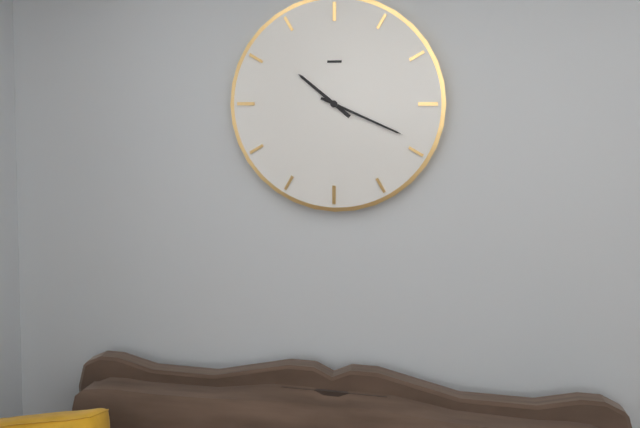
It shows 10,19
